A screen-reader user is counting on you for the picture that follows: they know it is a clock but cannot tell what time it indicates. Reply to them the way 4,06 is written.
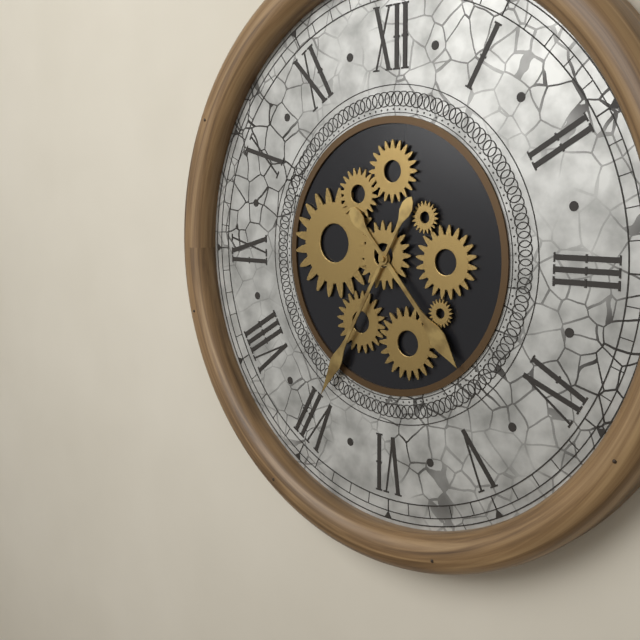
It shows 4,35
